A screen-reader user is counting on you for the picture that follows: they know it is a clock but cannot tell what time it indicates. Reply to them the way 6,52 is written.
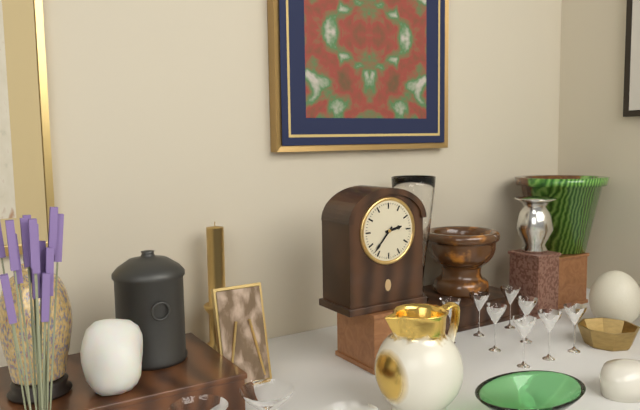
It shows 2,37
